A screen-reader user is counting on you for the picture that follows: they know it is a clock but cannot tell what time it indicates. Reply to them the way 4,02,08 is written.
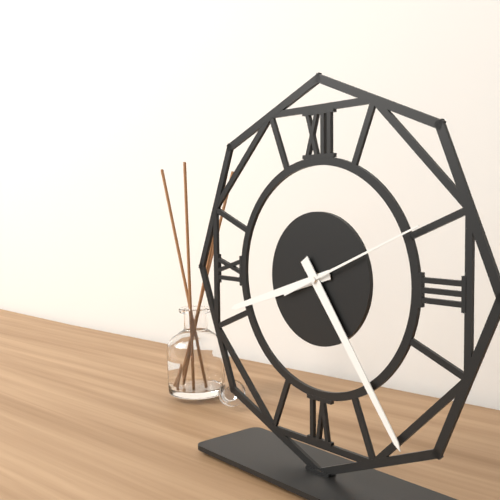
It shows 8,24,11
